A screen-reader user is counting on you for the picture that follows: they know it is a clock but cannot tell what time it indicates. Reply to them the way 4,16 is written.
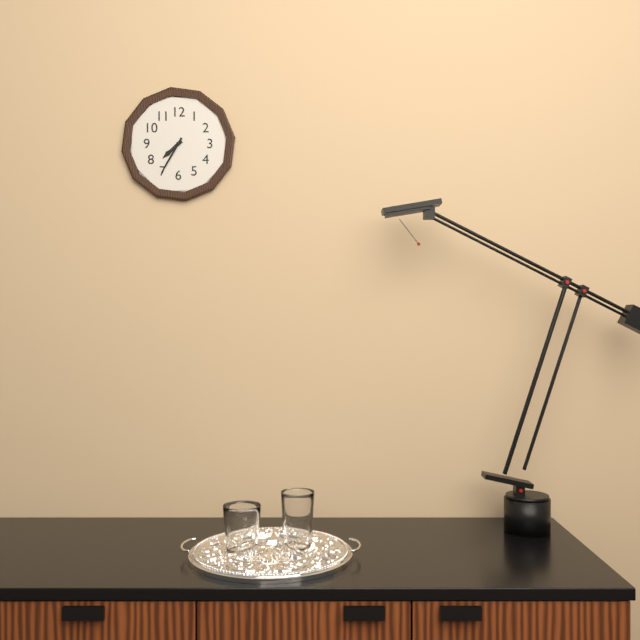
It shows 7,35
